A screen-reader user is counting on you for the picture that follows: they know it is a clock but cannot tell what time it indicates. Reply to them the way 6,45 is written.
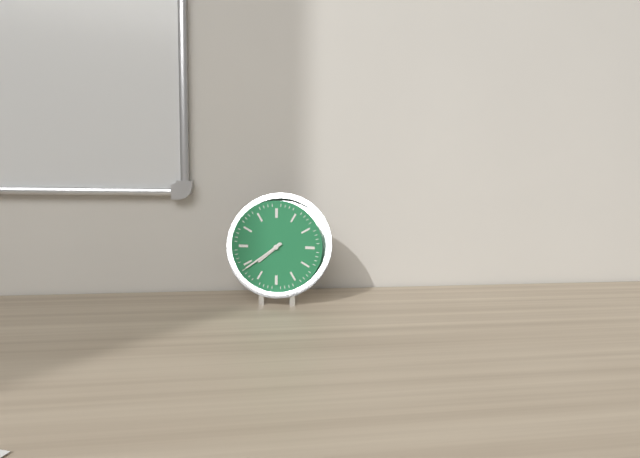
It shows 7,39
